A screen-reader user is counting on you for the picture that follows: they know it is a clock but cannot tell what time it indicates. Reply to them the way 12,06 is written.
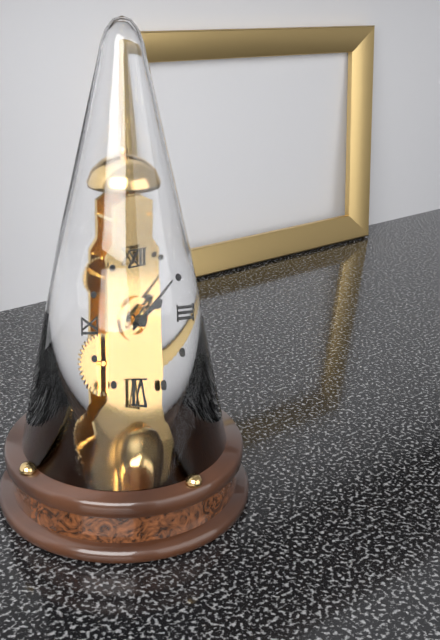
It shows 2,09
